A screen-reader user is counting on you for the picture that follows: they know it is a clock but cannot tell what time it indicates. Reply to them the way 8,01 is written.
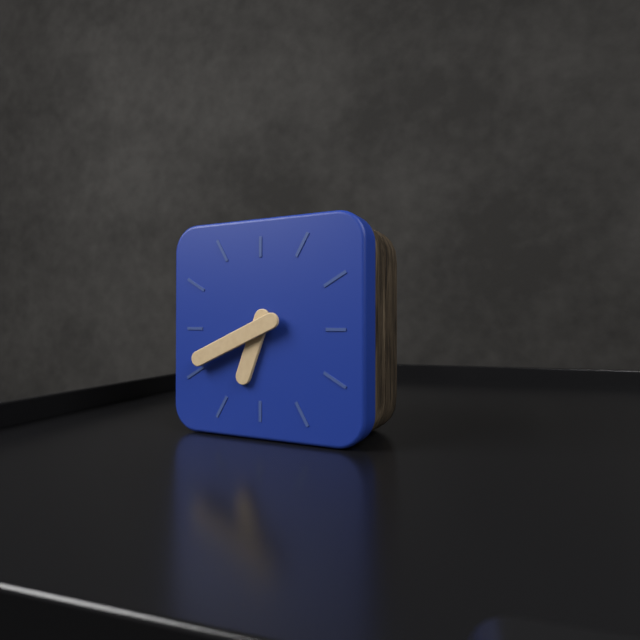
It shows 6,41
